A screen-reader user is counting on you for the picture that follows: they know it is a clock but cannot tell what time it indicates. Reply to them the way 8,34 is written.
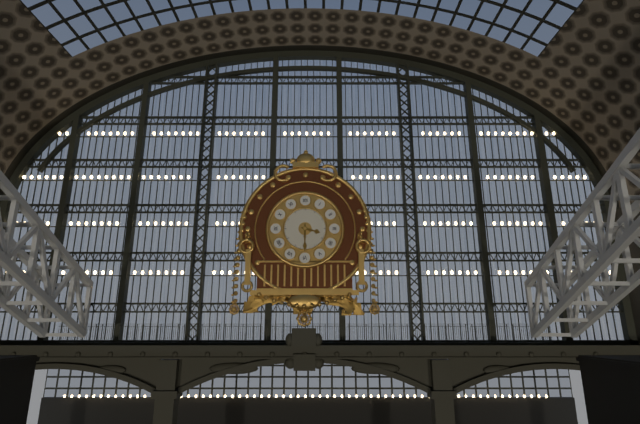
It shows 3,30
